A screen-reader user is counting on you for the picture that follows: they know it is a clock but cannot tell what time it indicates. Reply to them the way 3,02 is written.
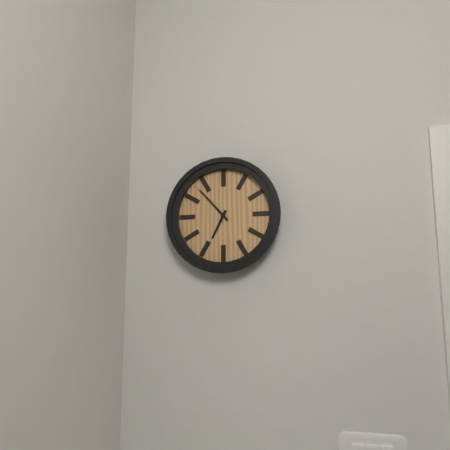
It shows 6,53
